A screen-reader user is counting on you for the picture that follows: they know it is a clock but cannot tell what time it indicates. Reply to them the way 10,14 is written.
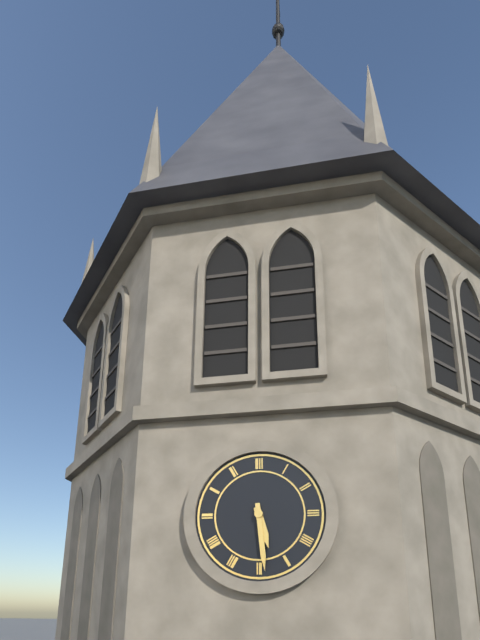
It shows 5,29
